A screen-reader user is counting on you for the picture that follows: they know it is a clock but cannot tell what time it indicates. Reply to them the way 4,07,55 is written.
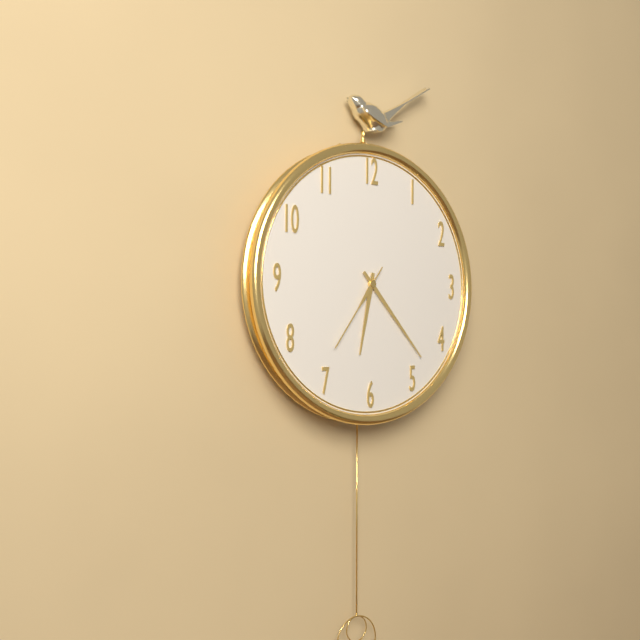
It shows 6,23,36
